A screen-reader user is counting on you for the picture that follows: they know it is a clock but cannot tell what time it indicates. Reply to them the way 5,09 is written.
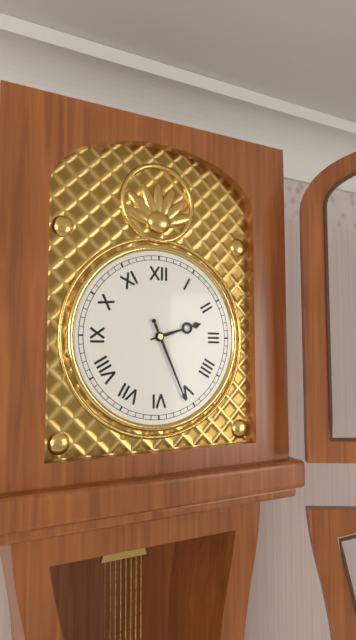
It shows 2,26
